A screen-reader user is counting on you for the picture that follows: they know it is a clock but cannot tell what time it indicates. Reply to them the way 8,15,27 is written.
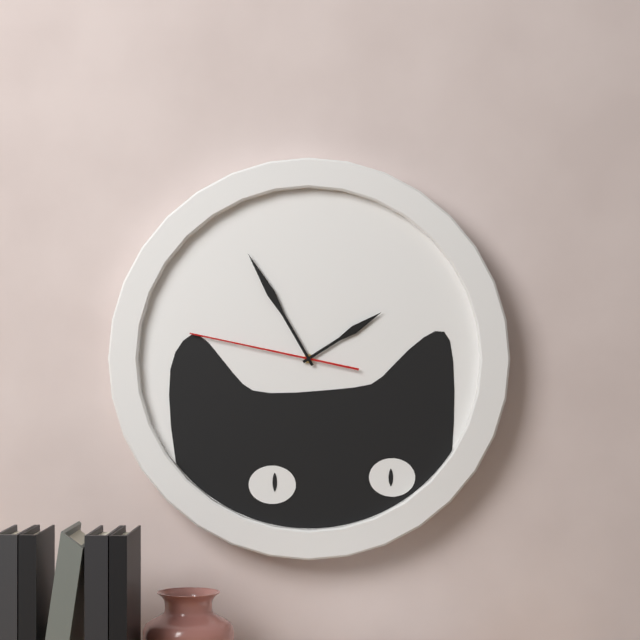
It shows 1,55,47
